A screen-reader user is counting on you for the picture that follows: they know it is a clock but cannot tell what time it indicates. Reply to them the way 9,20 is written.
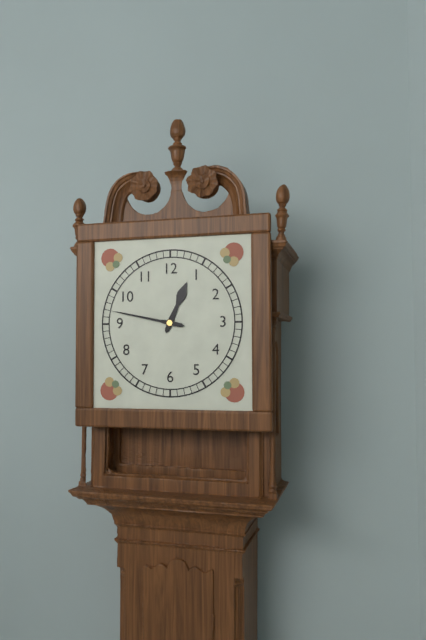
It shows 12,47
